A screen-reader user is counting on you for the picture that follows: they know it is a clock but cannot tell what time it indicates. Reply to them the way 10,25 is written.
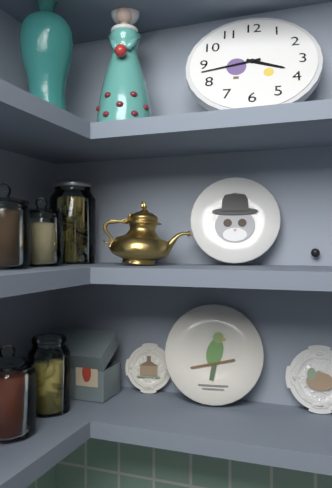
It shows 3,43
